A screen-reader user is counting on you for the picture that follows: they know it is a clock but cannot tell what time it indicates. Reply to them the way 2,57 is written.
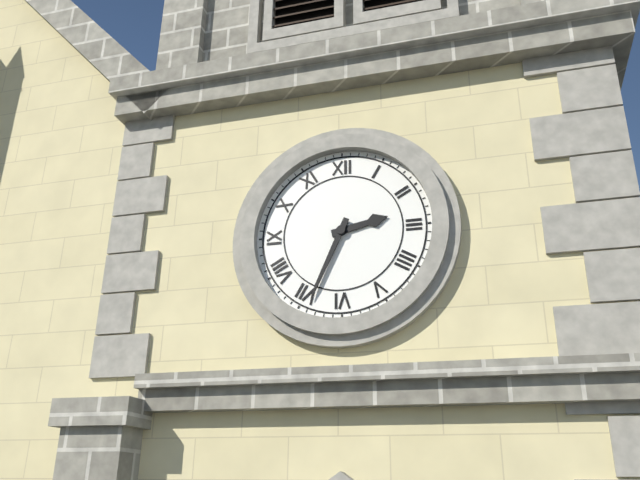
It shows 2,34
